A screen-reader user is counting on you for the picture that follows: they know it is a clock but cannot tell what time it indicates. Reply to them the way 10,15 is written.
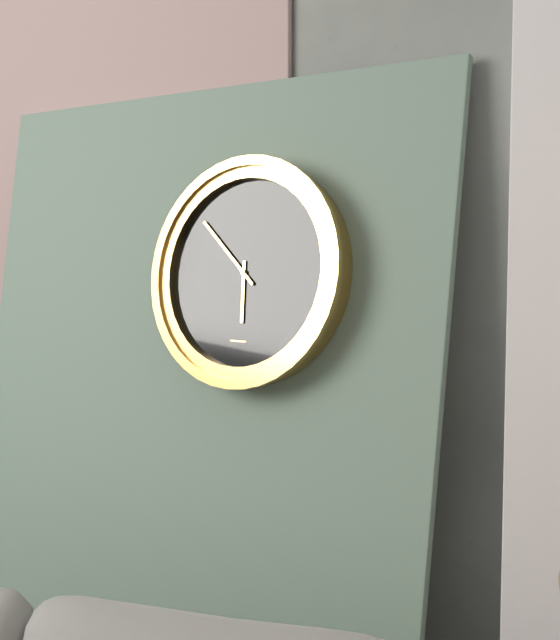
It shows 5,52
